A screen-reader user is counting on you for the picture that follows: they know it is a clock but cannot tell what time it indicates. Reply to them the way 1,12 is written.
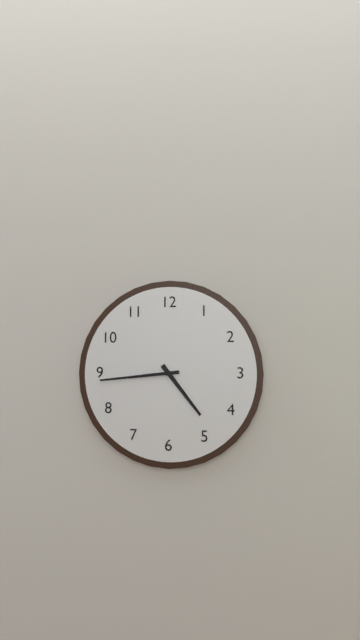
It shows 4,44
